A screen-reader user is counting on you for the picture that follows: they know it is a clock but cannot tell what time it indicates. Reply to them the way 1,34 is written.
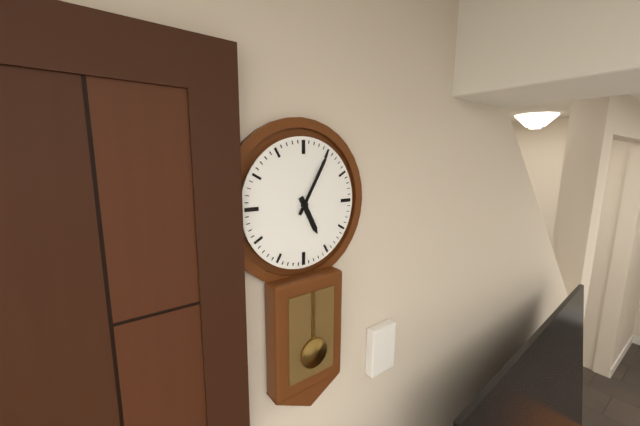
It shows 5,05
